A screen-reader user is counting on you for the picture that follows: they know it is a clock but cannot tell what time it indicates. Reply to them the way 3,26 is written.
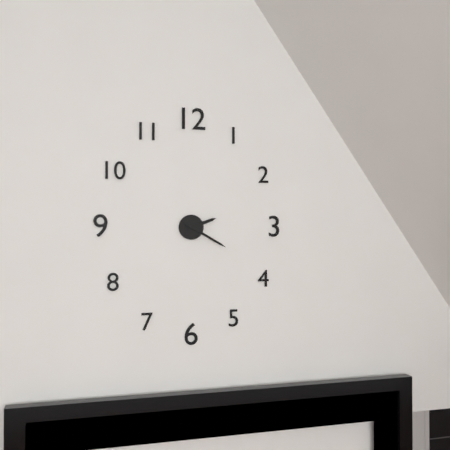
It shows 2,20
